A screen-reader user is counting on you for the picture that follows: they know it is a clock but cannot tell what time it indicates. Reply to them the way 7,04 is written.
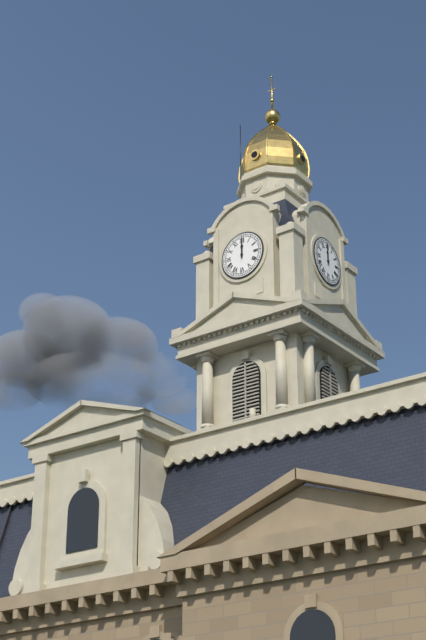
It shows 12,00
